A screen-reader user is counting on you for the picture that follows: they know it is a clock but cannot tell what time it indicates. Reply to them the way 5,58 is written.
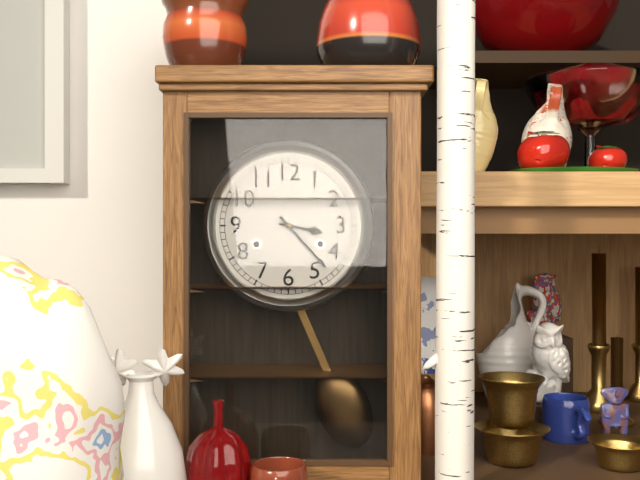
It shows 3,23
